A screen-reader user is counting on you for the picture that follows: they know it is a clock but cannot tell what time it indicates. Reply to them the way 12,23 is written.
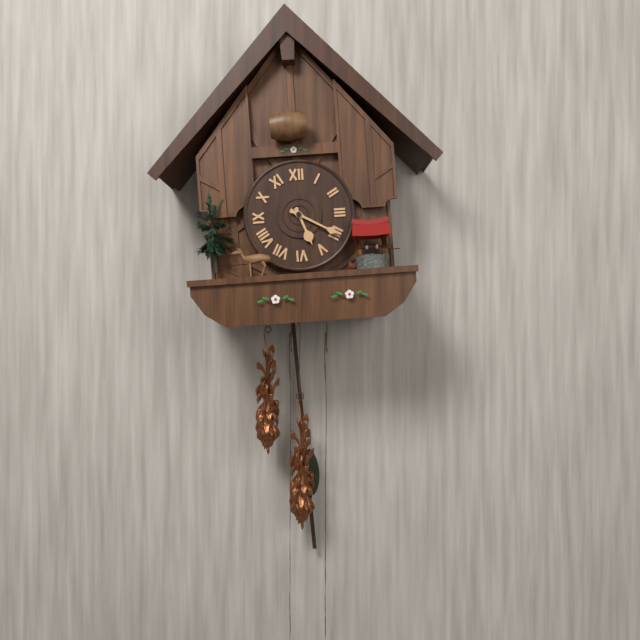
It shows 5,20
